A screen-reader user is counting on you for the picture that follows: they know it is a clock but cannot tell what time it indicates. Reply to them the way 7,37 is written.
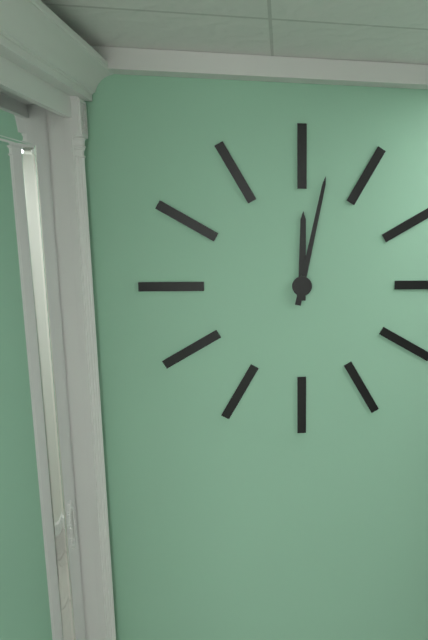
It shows 12,02
